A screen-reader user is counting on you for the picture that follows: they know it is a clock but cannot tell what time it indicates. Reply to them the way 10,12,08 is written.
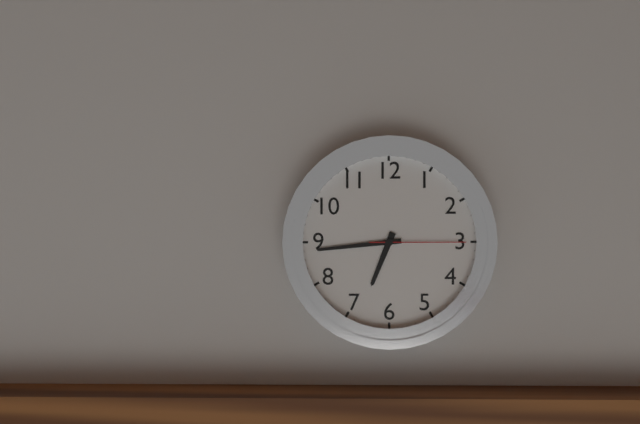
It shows 6,44,15
